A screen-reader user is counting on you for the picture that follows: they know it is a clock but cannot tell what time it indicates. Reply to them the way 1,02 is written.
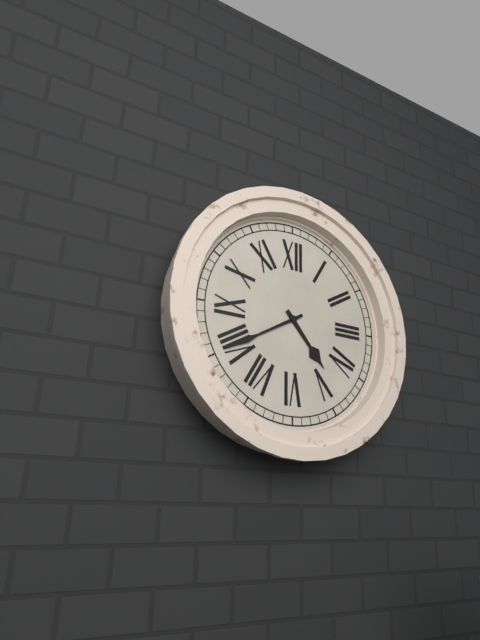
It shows 4,40
